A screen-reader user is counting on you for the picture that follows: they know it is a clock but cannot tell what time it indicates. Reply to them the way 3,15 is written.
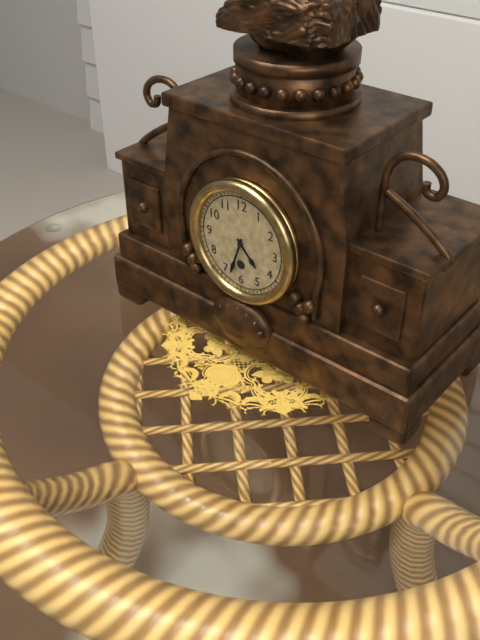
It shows 4,33
